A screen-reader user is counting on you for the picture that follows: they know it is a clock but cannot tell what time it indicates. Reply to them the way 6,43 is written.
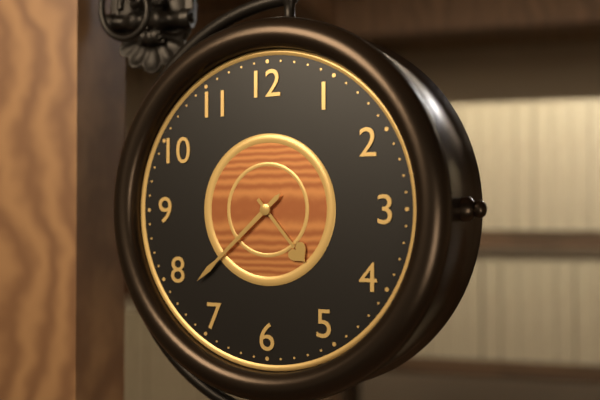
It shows 4,38
